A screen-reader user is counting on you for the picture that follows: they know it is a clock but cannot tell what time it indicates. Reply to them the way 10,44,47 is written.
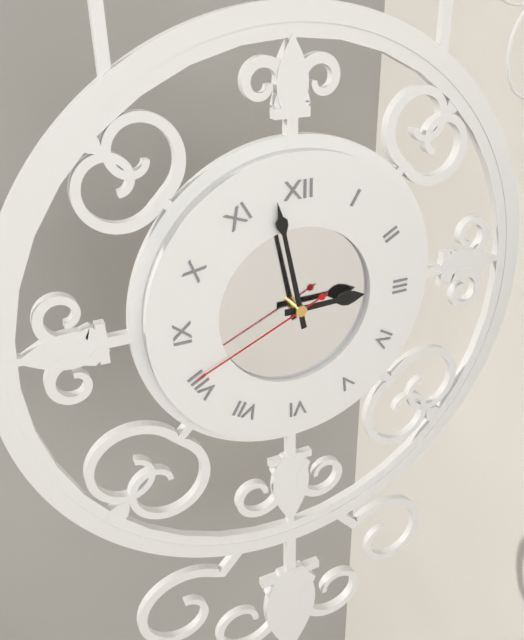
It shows 2,58,41
